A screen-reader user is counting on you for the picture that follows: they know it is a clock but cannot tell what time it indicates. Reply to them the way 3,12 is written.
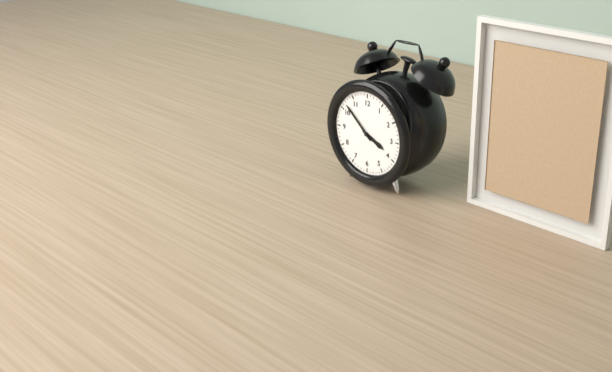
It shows 3,52
